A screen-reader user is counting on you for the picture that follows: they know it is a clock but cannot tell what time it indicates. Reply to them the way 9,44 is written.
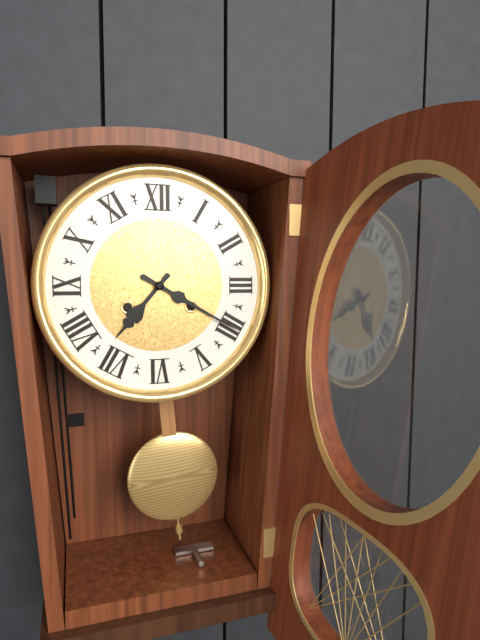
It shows 7,20
